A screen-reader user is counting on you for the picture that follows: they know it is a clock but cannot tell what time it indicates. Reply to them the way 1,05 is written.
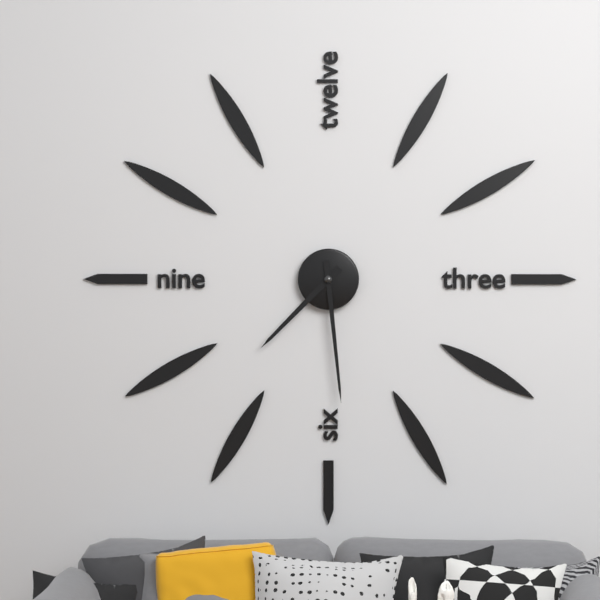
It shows 7,29
